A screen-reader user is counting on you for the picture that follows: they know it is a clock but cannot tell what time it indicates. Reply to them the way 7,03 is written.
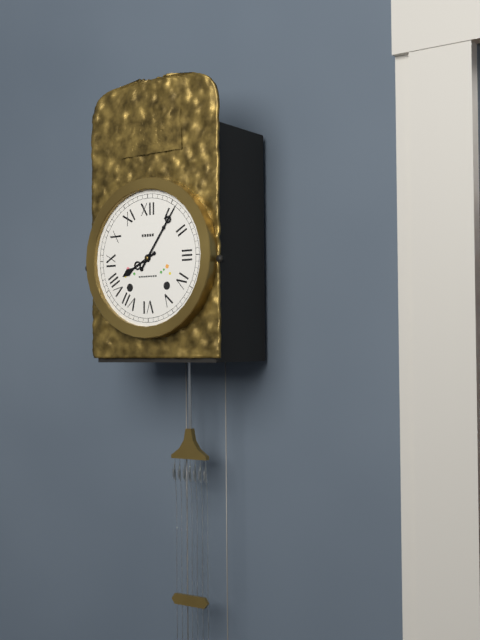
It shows 8,06
